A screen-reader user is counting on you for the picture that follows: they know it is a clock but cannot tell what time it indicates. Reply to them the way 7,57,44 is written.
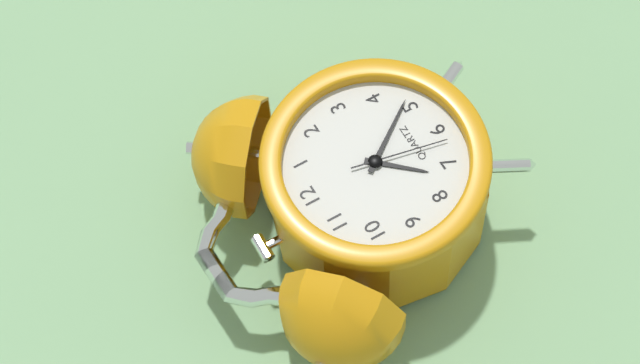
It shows 7,24,32
